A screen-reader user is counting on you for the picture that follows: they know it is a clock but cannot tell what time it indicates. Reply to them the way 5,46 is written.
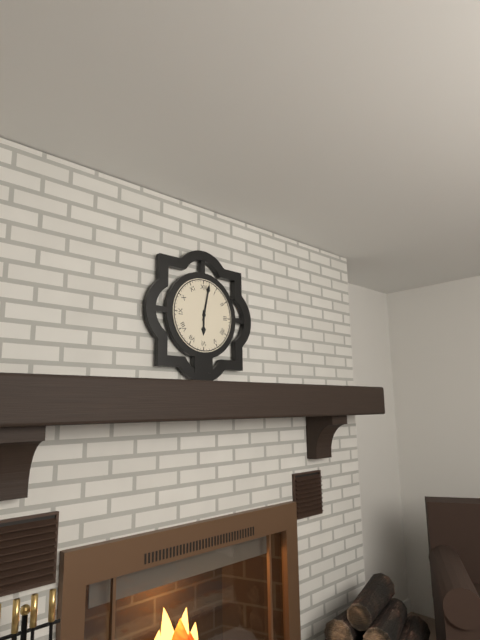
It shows 6,02
